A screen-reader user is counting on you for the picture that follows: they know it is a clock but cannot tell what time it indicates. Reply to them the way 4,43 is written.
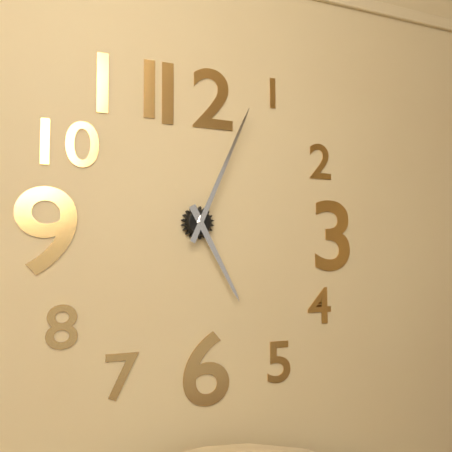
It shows 5,04
